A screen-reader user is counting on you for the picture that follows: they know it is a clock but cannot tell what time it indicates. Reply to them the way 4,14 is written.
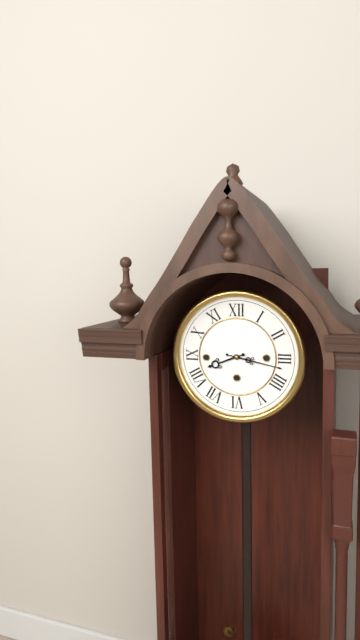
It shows 8,17
